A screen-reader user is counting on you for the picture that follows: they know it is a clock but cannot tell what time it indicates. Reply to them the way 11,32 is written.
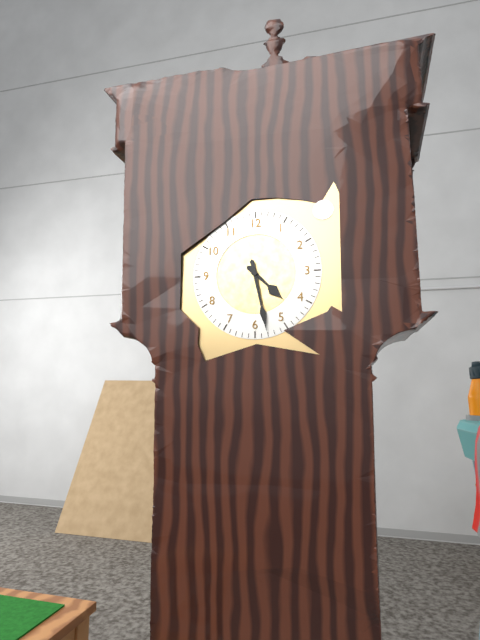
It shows 4,28
